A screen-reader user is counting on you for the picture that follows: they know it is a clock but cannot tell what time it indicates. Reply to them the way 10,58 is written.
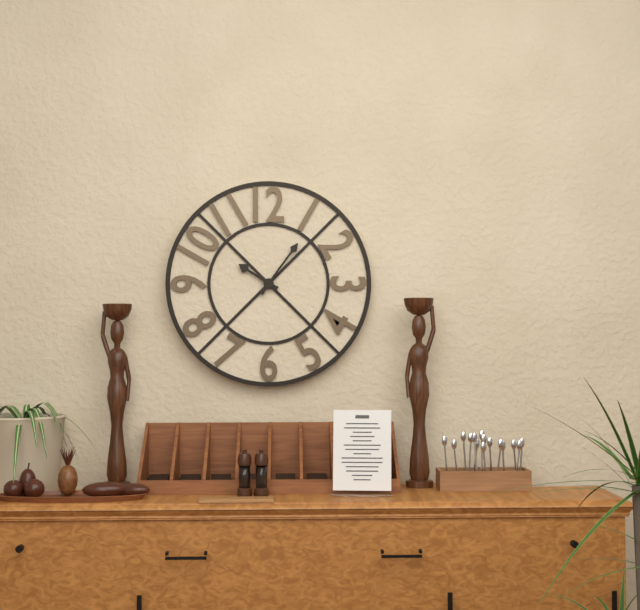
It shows 10,06
